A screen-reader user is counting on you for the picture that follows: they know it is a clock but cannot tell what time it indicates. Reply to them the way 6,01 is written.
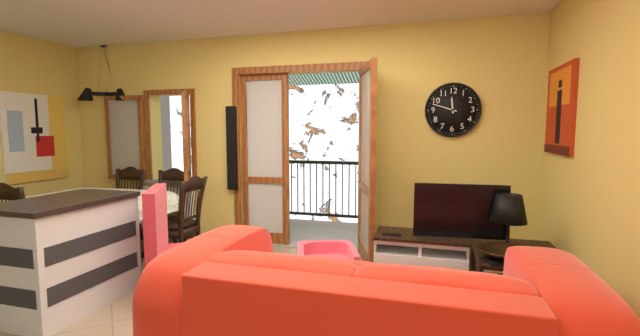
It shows 11,48
